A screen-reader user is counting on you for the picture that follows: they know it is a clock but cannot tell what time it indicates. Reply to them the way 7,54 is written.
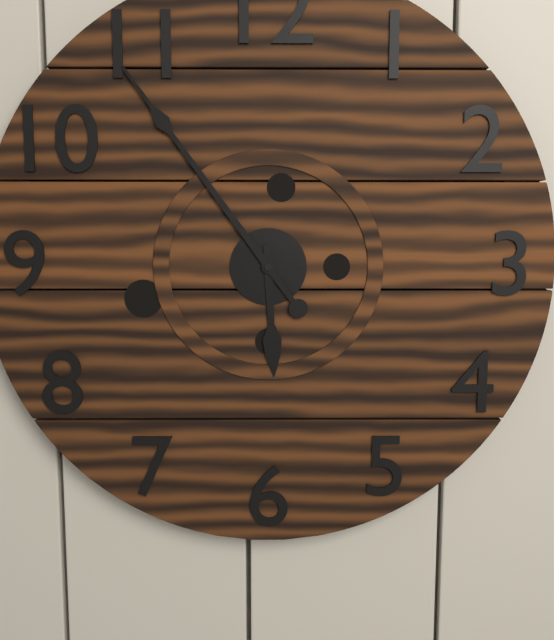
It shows 5,54
